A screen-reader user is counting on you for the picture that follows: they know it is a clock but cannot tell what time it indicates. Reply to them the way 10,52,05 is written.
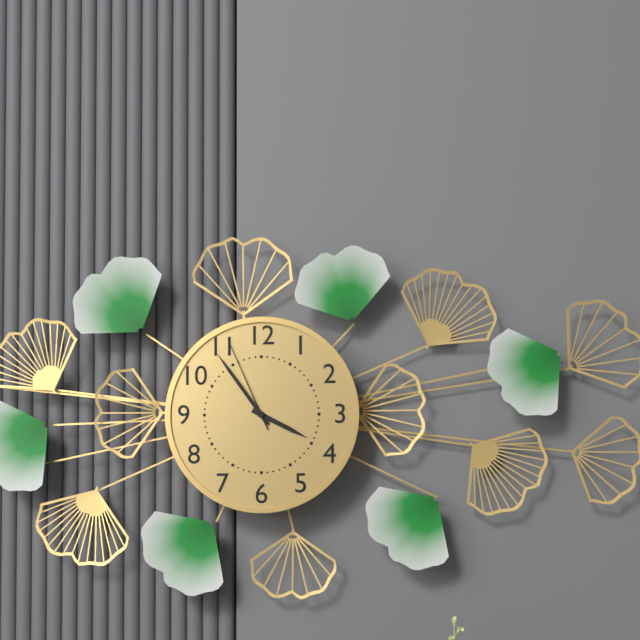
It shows 3,54,56
